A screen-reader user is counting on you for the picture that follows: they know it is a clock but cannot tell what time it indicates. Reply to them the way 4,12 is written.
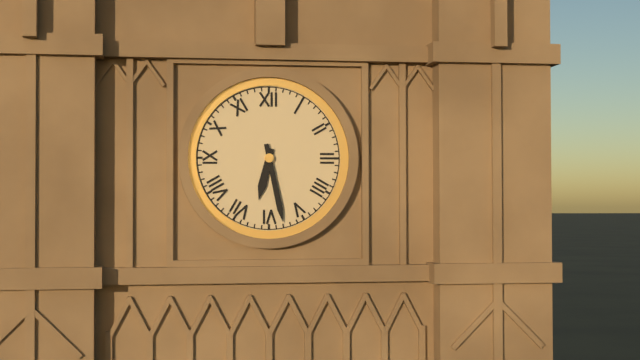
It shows 6,28
